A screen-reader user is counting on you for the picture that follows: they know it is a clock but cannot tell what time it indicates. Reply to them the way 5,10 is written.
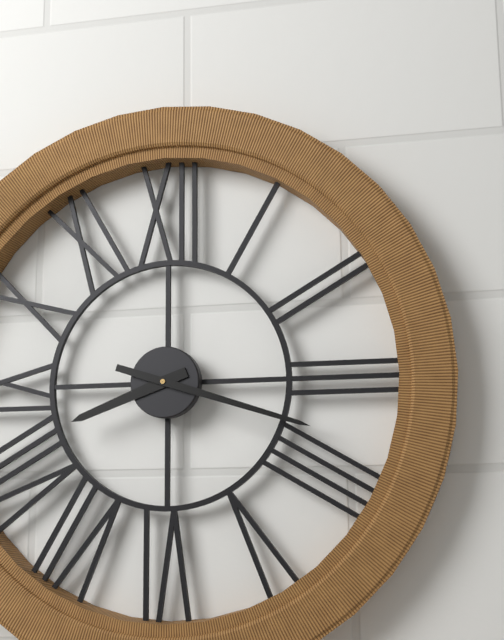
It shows 8,18
